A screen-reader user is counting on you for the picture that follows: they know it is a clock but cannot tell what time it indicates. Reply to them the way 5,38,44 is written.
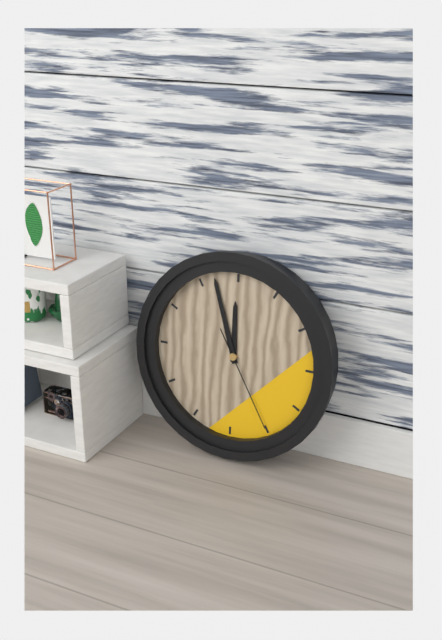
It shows 11,57,25
